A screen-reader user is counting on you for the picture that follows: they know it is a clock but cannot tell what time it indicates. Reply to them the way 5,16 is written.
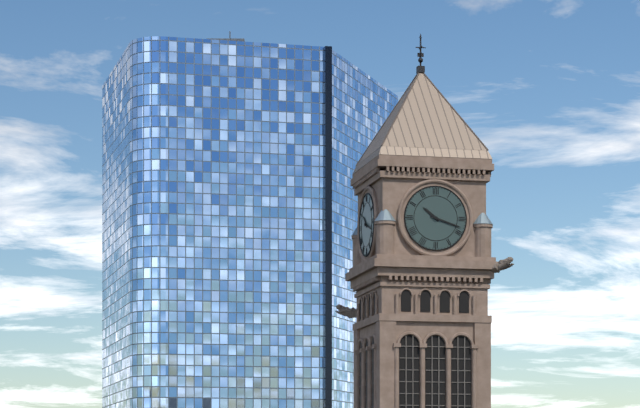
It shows 10,18
